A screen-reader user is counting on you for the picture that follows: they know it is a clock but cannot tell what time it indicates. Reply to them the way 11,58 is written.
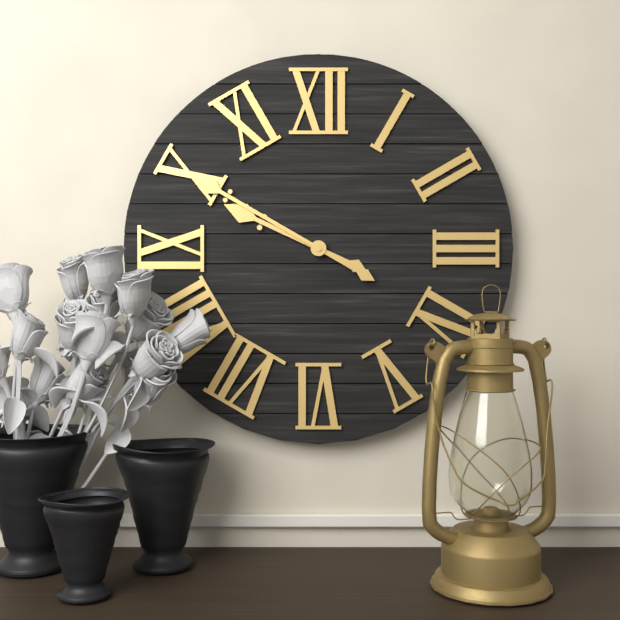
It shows 9,50
